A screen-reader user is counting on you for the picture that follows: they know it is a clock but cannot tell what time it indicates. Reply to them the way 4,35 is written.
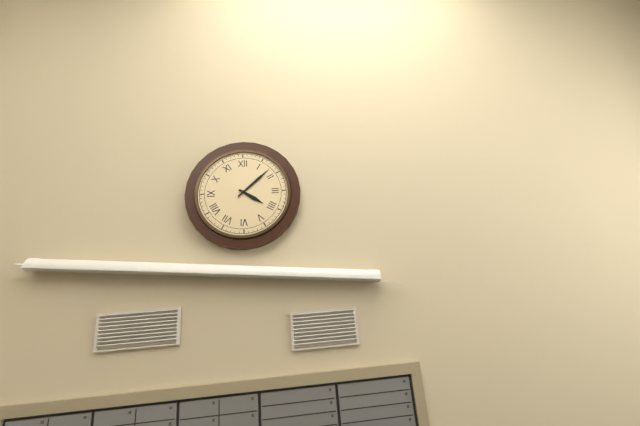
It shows 4,08
